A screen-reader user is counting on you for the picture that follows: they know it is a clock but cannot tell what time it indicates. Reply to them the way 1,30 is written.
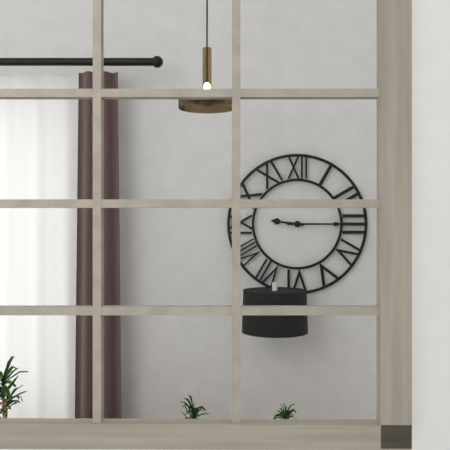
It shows 9,15
